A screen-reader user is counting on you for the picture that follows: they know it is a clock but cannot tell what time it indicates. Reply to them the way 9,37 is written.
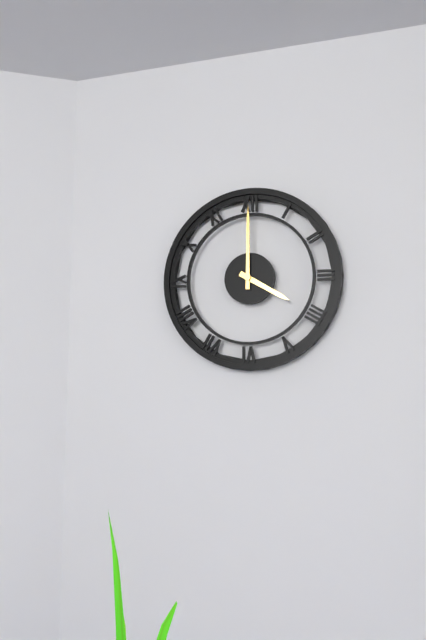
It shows 4,00
